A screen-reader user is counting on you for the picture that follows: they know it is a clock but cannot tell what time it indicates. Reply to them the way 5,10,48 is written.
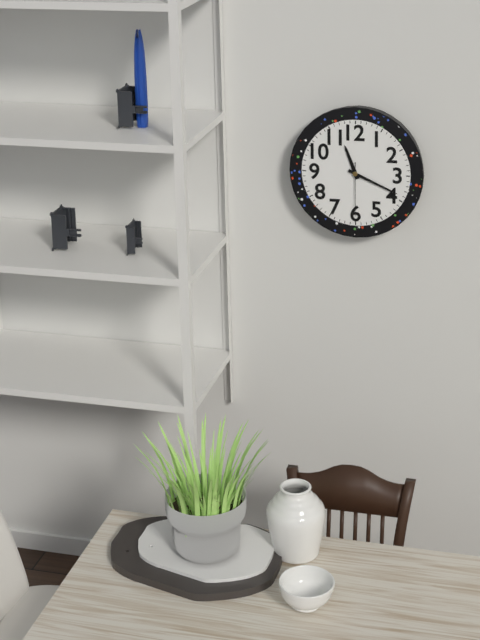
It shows 11,19,30
